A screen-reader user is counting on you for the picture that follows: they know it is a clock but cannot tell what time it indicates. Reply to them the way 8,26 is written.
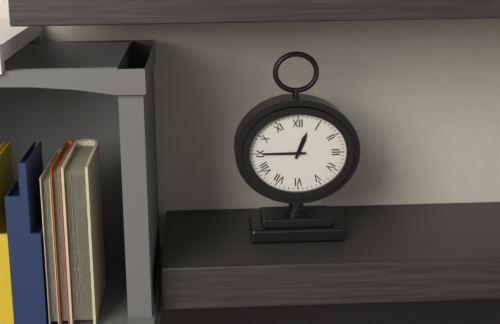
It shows 12,45
